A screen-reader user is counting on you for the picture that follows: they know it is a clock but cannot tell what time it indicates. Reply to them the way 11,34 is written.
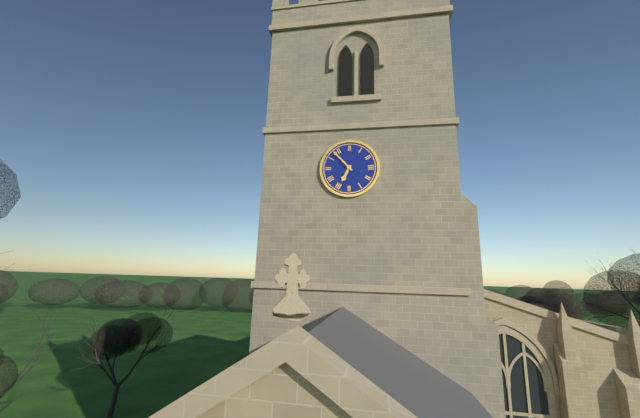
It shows 6,53
